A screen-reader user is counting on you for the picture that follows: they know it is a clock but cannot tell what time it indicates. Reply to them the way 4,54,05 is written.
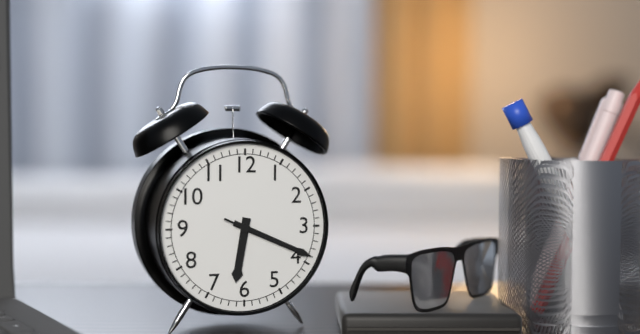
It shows 6,19,19
